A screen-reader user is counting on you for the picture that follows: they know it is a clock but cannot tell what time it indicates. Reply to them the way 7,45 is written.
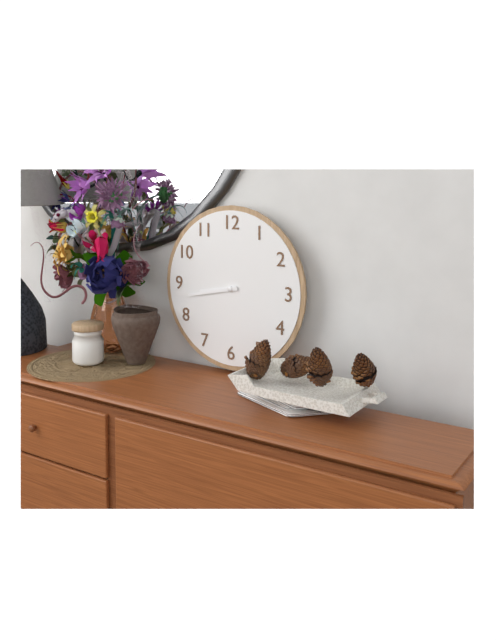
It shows 8,43
